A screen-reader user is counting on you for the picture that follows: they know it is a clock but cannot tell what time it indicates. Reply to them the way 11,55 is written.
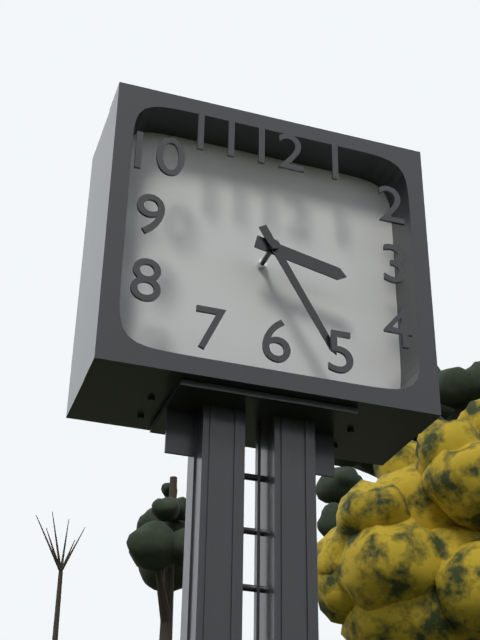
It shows 3,25
